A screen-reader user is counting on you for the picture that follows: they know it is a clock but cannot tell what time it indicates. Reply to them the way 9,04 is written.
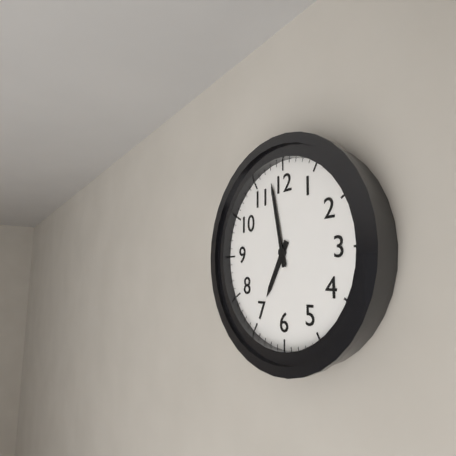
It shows 6,58
